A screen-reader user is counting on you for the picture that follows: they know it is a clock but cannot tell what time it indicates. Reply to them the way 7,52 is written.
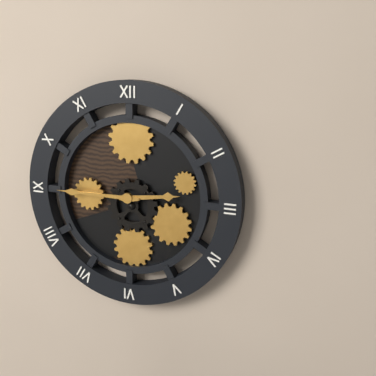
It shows 2,45
